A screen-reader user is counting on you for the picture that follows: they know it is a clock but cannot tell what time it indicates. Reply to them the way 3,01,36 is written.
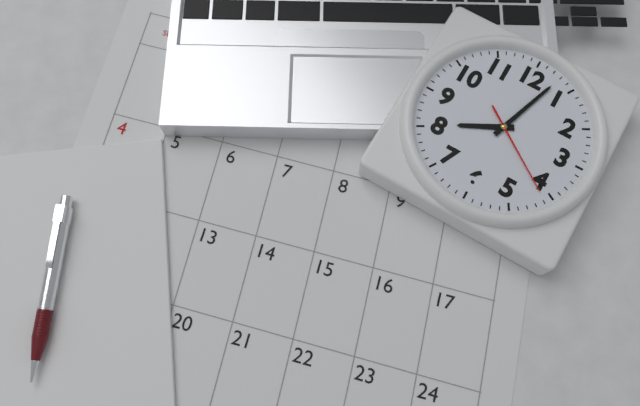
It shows 8,03,21
